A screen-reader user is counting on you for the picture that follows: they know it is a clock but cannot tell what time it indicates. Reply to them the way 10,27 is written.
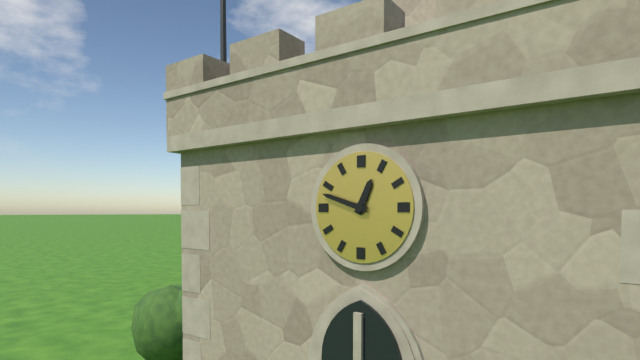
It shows 12,48
